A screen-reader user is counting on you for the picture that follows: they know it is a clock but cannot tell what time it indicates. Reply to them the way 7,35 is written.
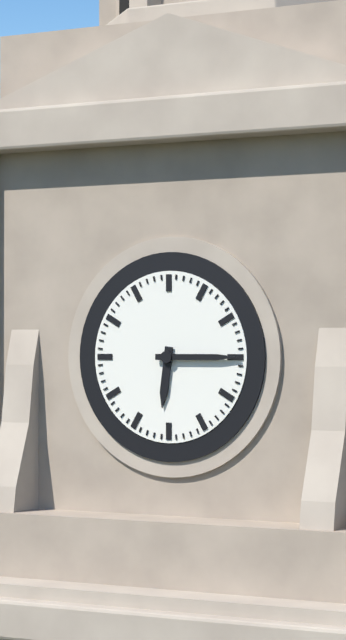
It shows 6,15
